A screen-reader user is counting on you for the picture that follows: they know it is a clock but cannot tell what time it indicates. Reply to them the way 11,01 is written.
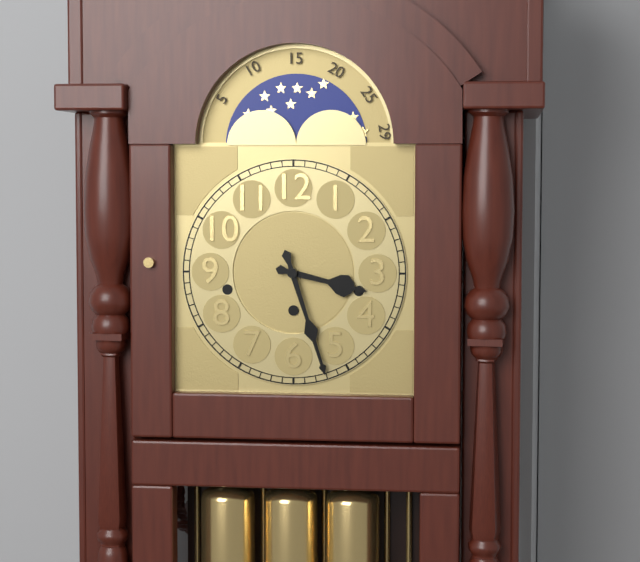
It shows 3,27
